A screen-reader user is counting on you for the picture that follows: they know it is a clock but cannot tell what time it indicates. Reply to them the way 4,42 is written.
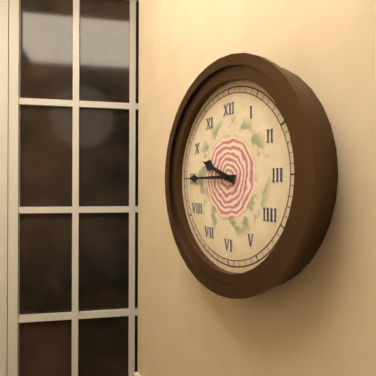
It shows 9,45
